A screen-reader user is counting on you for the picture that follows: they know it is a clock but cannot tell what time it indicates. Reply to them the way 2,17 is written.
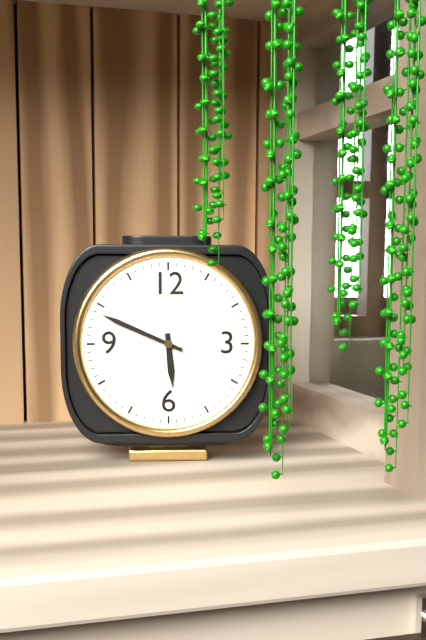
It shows 5,49
